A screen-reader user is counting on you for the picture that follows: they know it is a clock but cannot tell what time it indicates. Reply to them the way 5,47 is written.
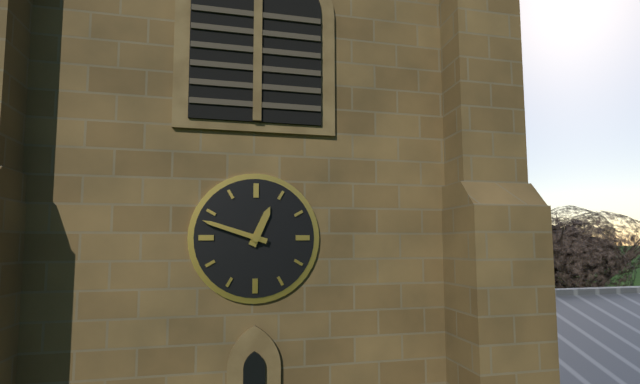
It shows 12,48
